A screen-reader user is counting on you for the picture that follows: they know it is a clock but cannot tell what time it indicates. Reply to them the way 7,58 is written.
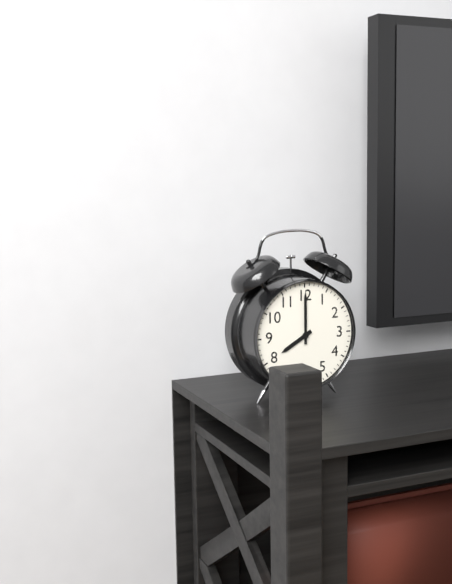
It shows 8,00
